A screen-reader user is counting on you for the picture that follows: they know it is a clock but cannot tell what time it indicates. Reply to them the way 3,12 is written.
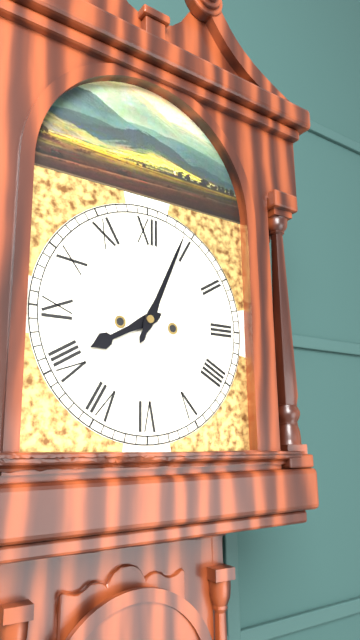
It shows 8,04
